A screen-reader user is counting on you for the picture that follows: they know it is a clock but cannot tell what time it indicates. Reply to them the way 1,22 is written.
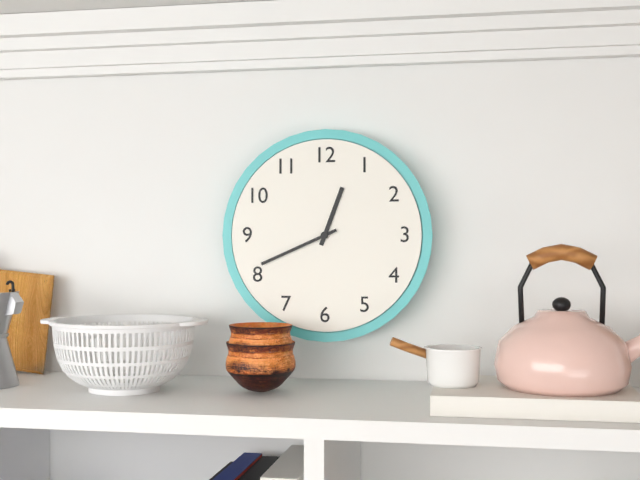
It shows 12,41
